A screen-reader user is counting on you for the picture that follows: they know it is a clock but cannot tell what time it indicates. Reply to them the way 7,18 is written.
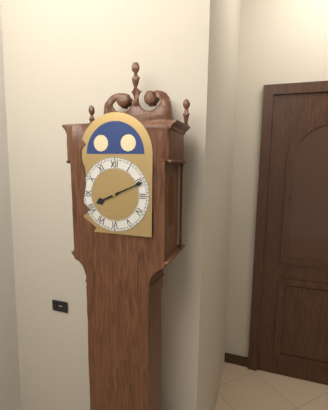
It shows 8,11
